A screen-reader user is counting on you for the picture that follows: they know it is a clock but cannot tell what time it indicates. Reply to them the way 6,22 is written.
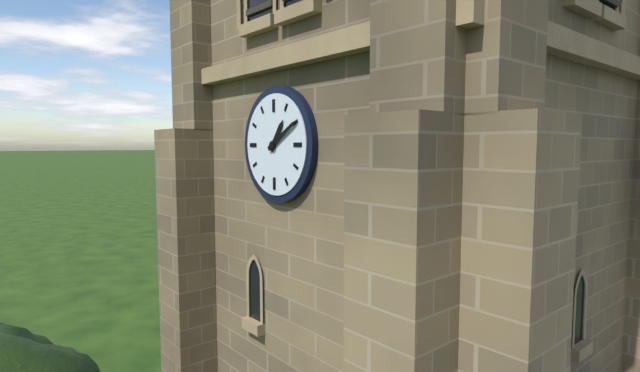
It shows 1,10
